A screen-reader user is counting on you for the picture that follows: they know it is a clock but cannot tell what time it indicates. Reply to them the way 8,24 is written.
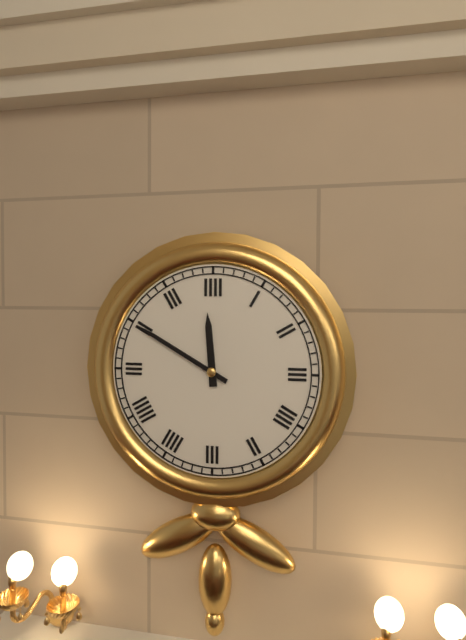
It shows 11,50
